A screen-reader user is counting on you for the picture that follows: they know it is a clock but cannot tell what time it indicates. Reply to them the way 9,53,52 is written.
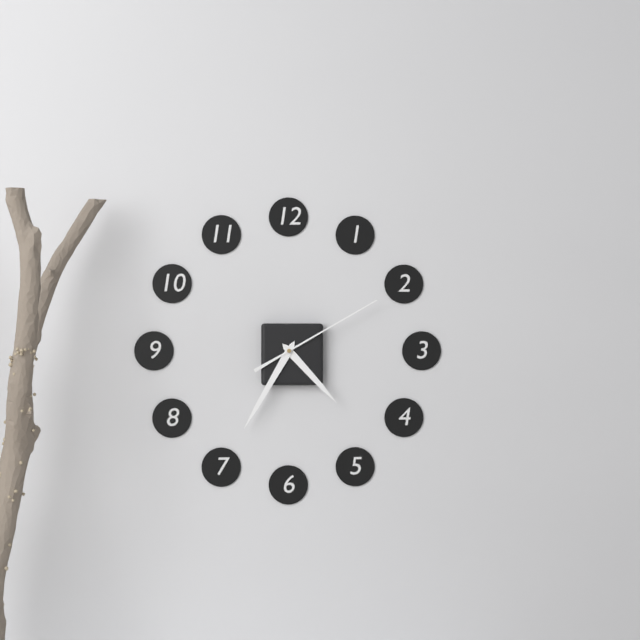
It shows 4,35,10
